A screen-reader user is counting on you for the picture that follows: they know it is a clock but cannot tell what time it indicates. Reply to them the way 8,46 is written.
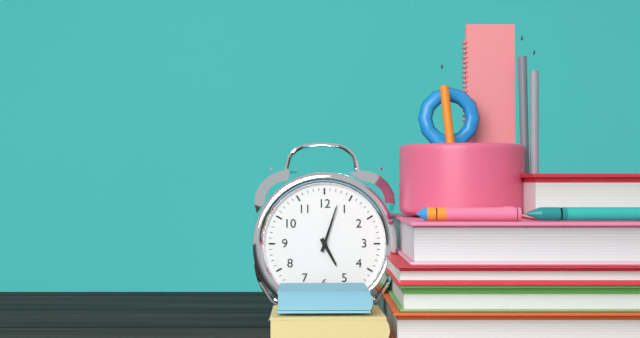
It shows 5,03
